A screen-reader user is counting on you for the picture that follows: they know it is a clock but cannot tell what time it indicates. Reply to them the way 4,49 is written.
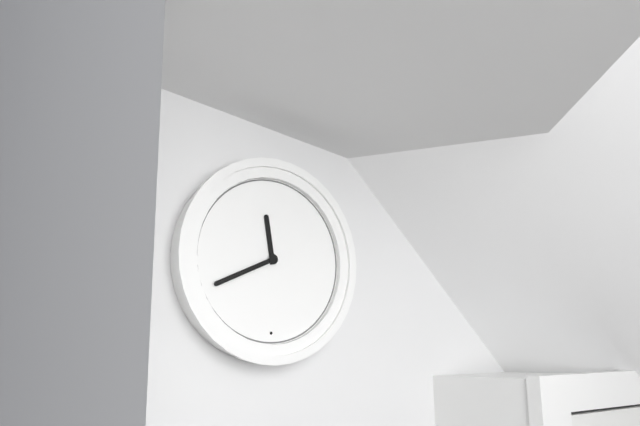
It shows 11,41
